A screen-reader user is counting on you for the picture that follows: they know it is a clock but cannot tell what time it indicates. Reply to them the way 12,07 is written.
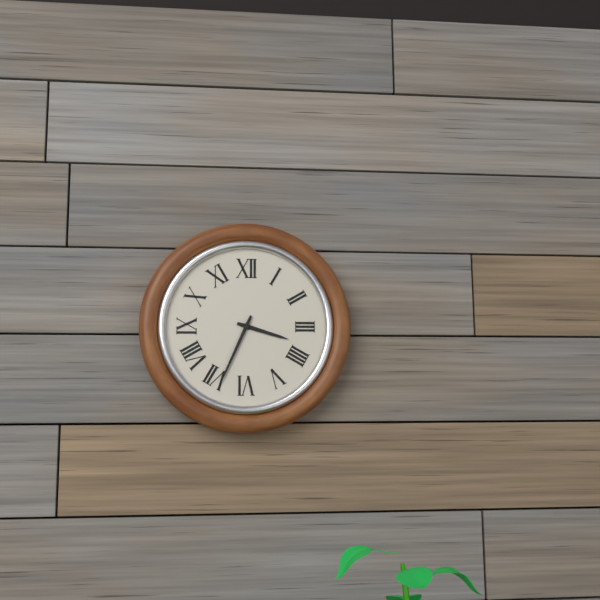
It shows 3,34
